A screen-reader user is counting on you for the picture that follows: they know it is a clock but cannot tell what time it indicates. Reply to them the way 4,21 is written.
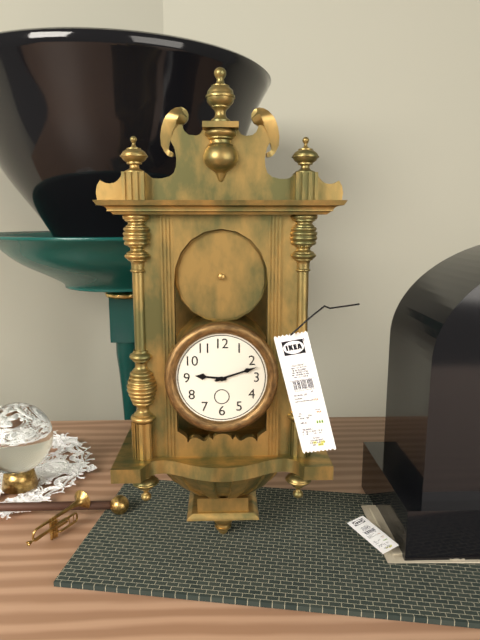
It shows 9,12
